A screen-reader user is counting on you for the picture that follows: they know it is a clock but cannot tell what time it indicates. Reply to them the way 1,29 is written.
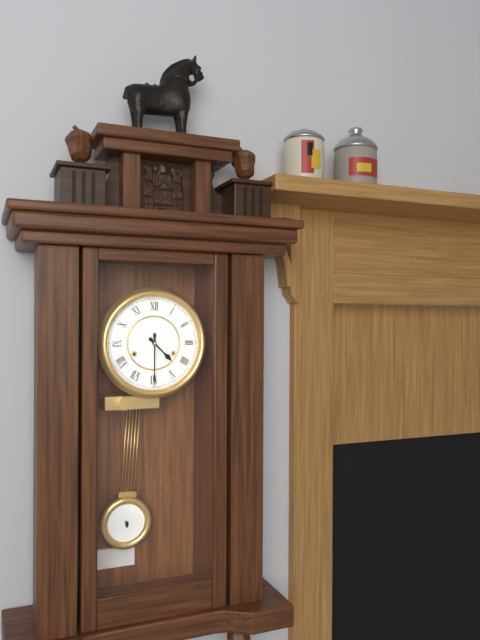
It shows 4,30
